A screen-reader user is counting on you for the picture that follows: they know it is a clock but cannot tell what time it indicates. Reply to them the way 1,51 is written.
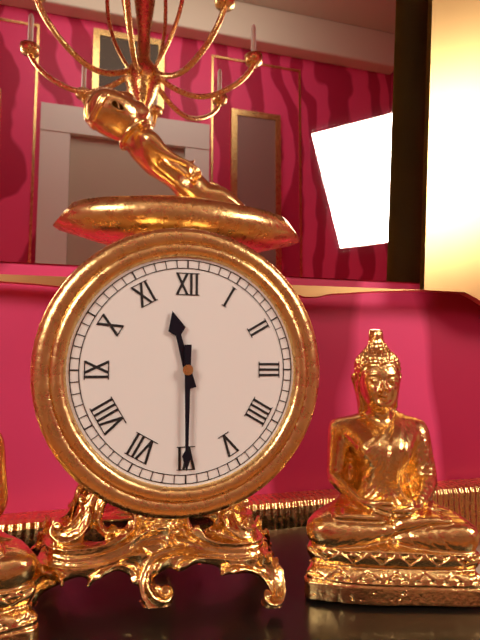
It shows 11,30
